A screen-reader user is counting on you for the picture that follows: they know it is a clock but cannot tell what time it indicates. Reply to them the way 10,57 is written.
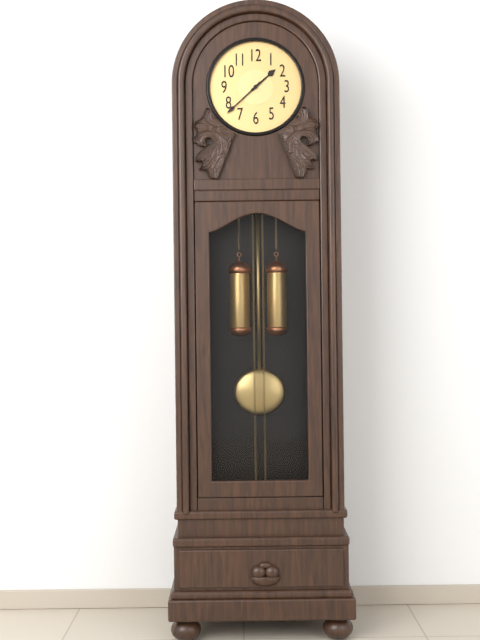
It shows 1,38
